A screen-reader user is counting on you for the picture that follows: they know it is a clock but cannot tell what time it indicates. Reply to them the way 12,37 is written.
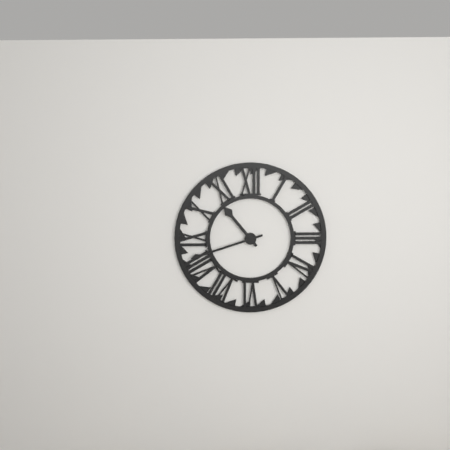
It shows 10,42
